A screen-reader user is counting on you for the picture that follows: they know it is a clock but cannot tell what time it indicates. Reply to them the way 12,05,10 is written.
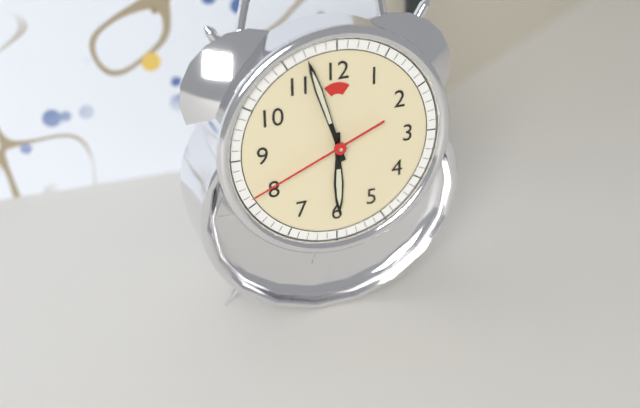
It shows 5,57,41
